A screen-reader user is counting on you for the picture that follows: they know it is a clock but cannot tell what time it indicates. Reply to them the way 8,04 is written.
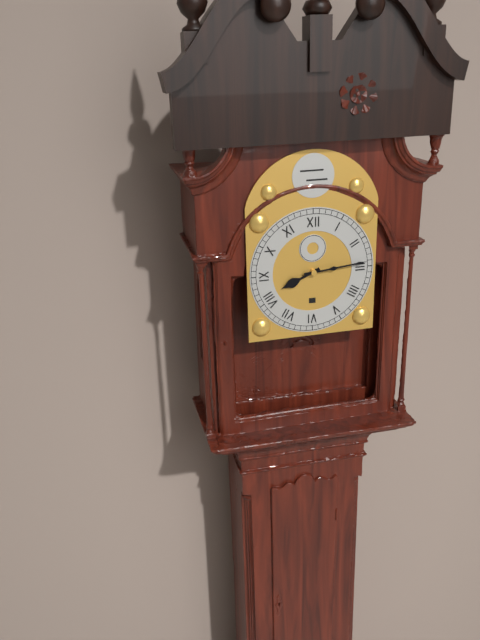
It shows 8,14
